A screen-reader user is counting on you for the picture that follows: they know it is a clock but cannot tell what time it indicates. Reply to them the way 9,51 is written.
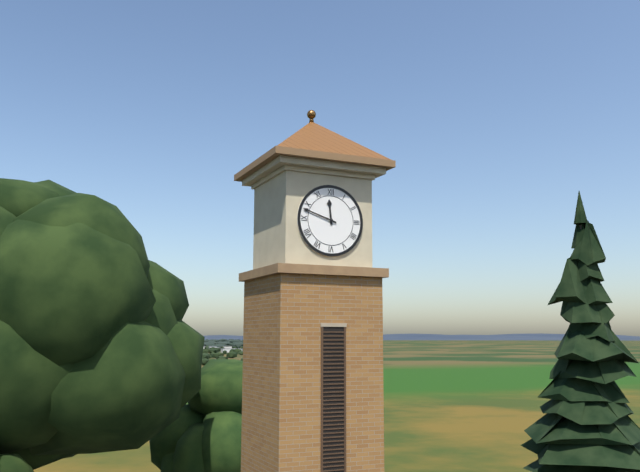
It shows 11,48
